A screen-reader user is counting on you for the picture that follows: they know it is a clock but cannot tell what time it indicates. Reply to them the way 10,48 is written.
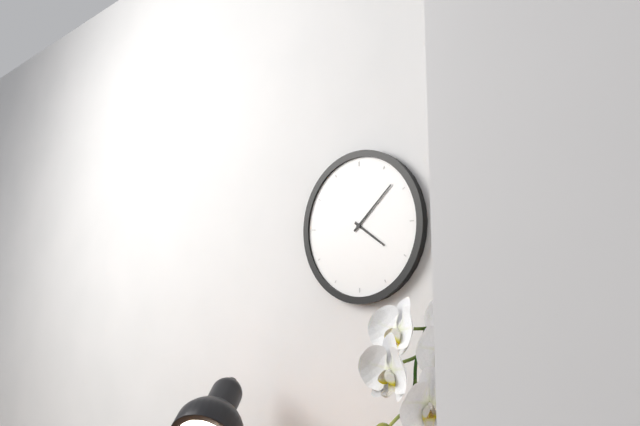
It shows 4,08
